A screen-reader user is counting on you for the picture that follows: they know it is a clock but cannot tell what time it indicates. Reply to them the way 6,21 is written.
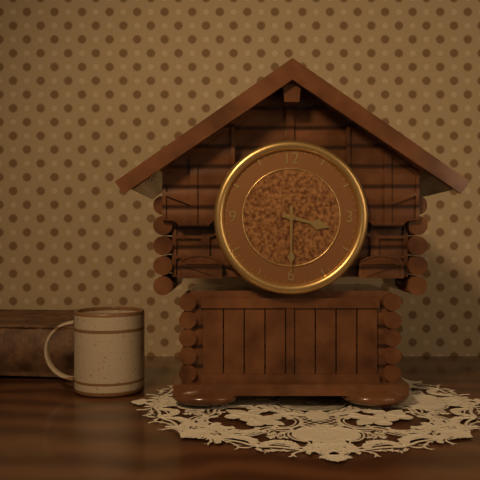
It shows 3,30
